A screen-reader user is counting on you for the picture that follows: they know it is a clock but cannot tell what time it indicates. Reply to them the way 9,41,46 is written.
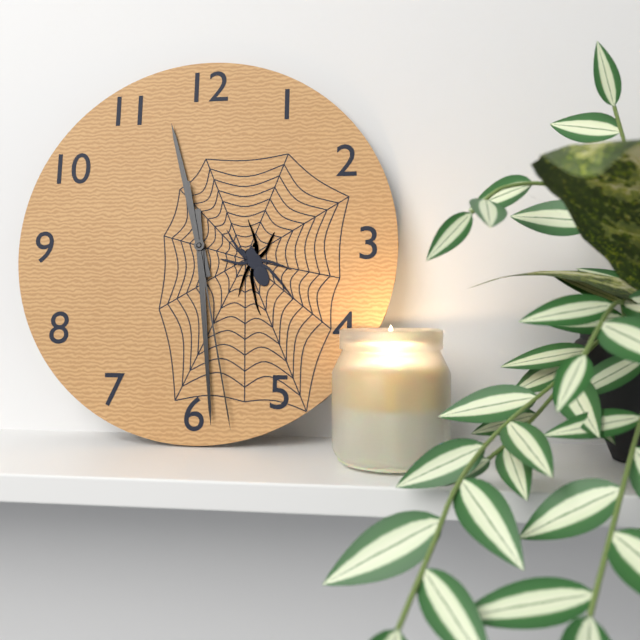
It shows 11,29,28
